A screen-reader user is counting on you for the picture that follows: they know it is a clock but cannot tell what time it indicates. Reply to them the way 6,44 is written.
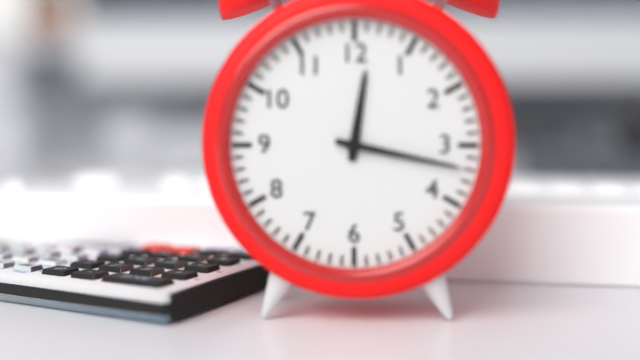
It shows 12,17
